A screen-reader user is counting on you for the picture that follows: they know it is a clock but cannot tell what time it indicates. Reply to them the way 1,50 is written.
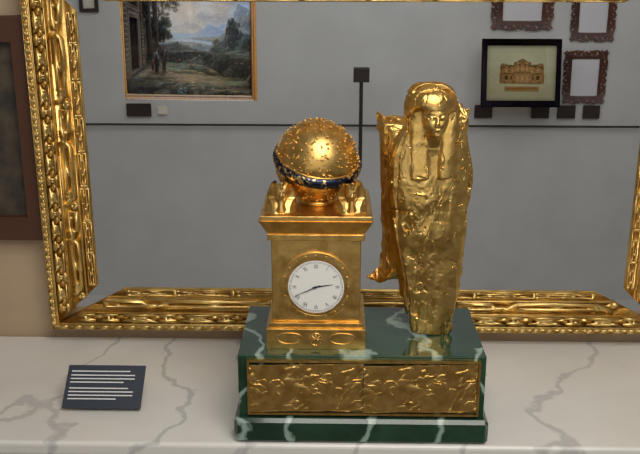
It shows 2,41
